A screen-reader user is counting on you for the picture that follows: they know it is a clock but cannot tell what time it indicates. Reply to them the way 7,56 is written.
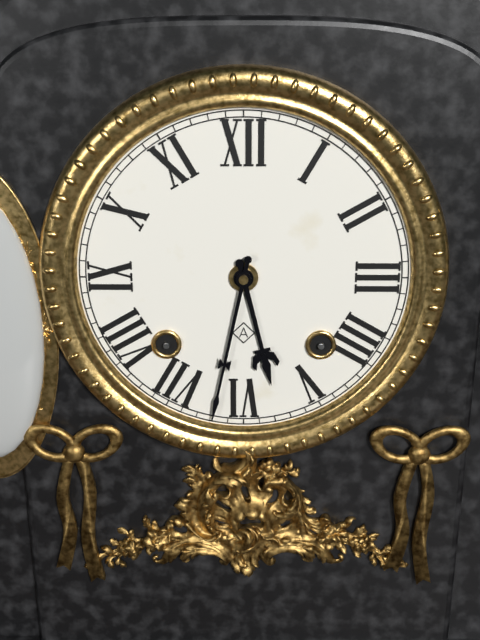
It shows 5,32
